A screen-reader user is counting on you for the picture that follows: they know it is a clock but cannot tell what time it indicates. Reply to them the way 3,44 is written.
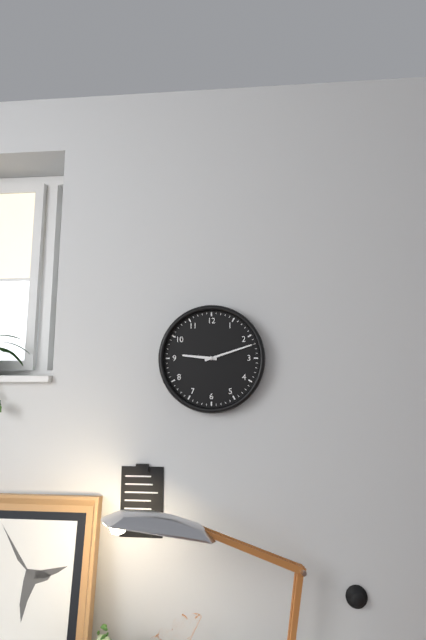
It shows 9,12
